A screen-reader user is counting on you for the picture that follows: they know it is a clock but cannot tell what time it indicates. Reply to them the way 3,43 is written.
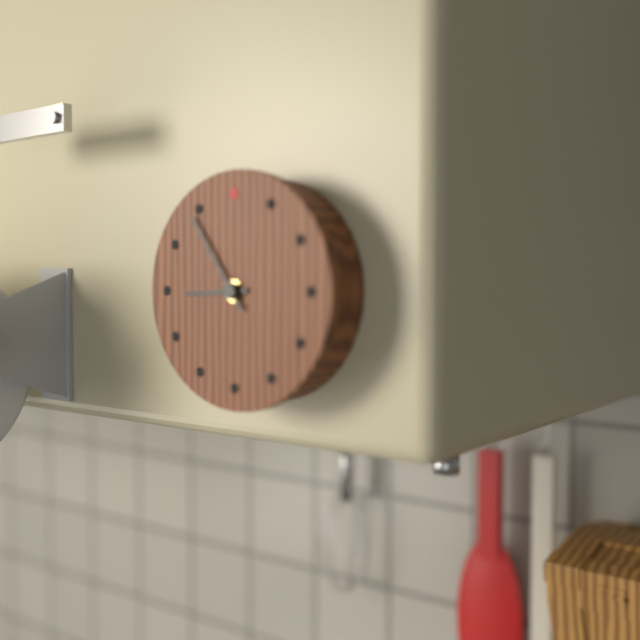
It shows 8,54
